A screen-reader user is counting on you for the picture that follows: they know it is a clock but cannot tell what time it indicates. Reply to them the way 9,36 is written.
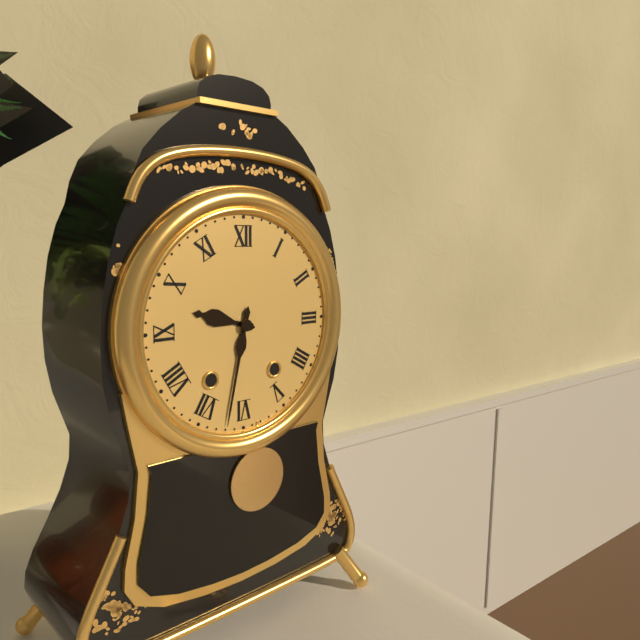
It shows 9,32
